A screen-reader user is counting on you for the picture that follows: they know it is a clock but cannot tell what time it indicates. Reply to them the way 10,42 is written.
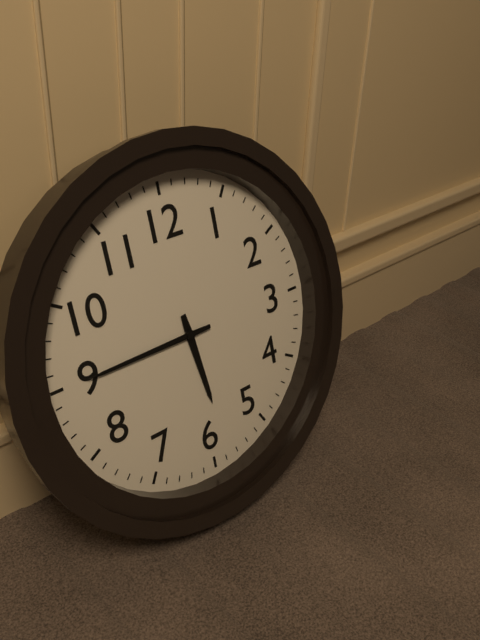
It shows 5,45
